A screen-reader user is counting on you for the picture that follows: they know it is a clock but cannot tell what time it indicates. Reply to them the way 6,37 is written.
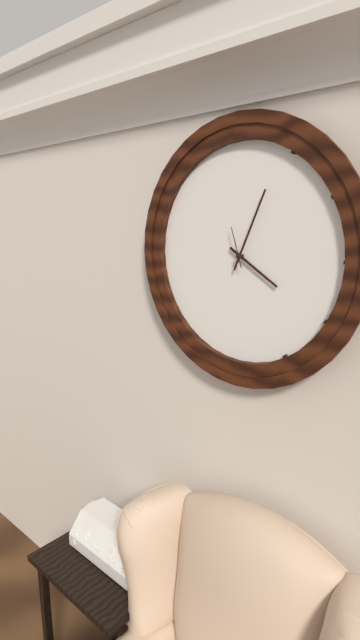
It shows 4,04
